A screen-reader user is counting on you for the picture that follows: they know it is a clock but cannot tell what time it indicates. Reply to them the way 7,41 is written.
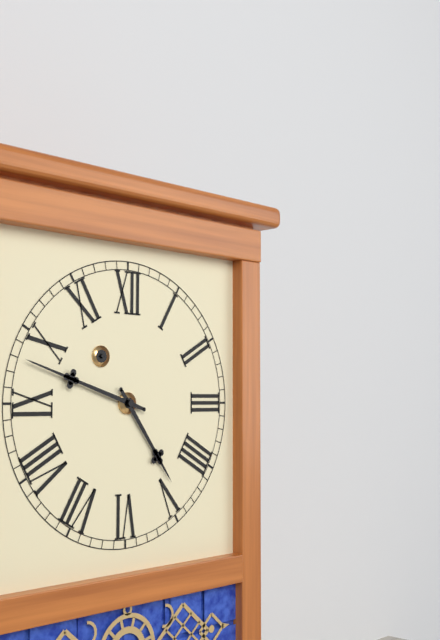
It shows 4,48
